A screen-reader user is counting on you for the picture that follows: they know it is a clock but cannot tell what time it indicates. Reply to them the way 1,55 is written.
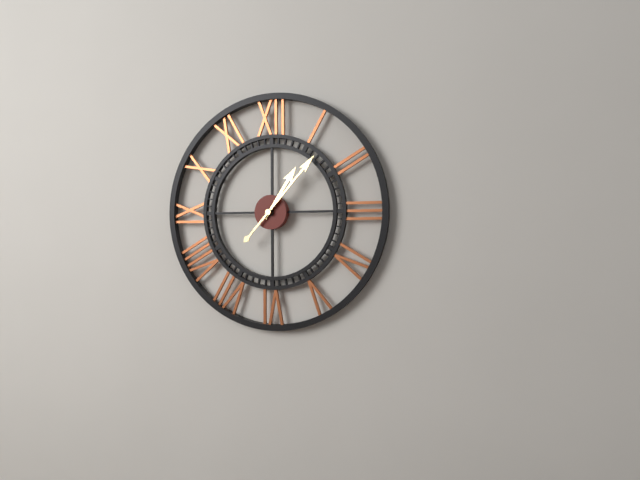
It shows 1,07
